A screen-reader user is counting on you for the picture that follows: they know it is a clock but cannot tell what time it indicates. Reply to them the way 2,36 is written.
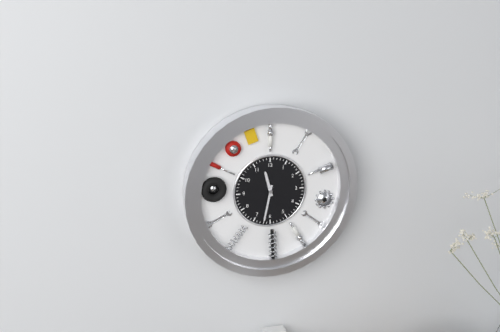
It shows 11,32
